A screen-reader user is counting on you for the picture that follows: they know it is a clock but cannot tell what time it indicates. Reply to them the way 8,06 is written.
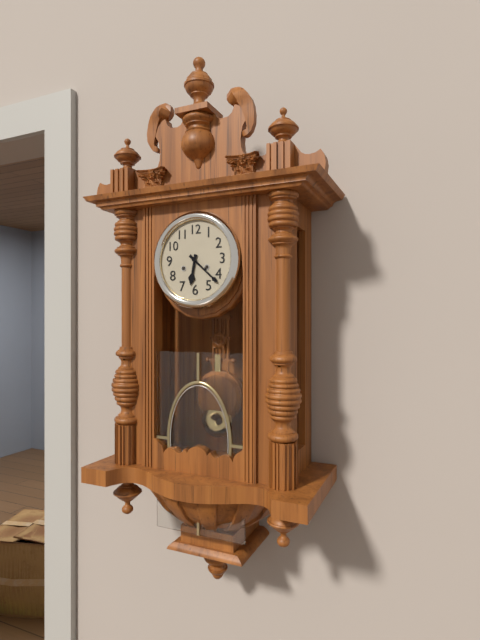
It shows 6,22
